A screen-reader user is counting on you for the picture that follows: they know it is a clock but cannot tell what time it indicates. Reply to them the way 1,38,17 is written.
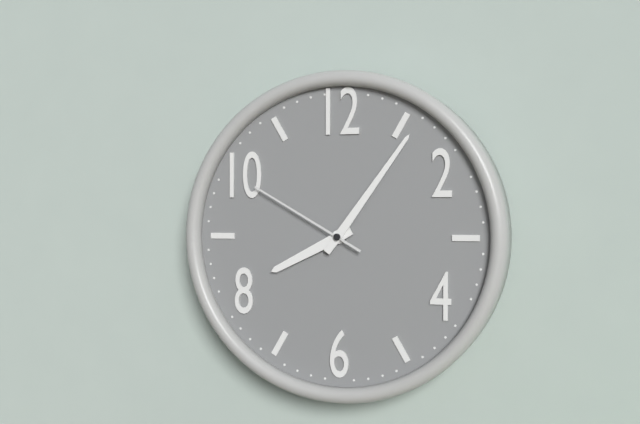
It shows 8,06,50
